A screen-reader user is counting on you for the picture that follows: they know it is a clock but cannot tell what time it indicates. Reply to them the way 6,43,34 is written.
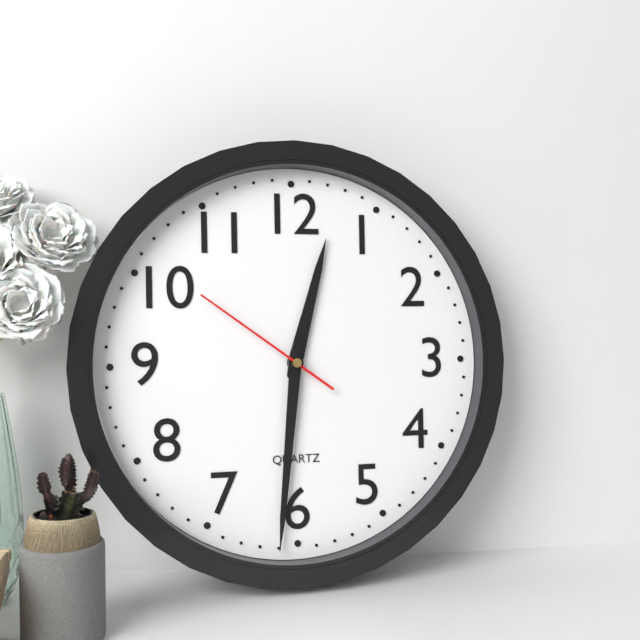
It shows 12,31,51
